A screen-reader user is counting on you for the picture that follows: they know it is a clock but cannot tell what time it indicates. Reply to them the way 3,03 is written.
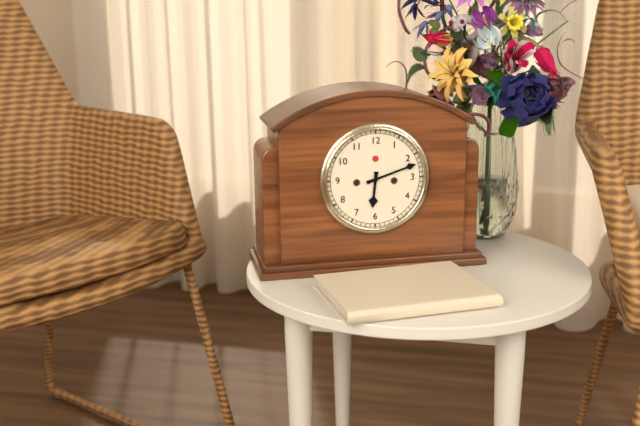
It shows 6,12
